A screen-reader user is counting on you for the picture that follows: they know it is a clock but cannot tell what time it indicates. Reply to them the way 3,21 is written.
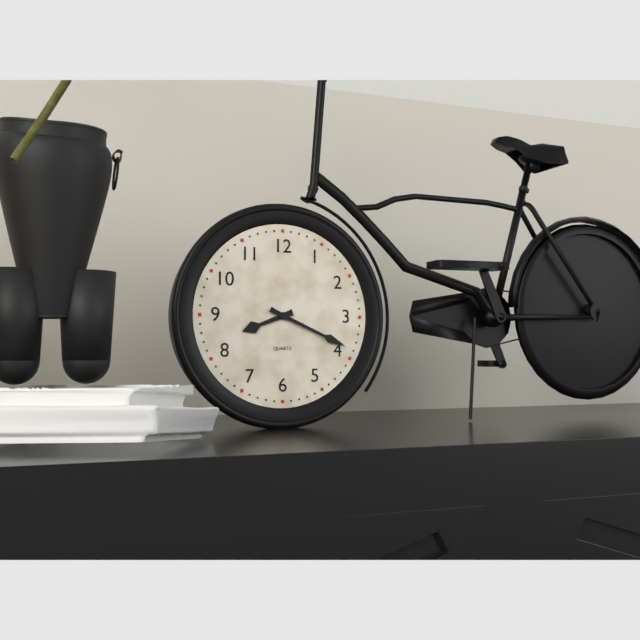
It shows 8,19
